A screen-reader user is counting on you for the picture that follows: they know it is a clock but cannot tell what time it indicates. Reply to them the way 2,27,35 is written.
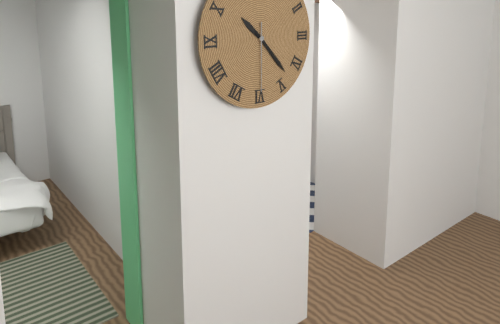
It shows 10,23,30
